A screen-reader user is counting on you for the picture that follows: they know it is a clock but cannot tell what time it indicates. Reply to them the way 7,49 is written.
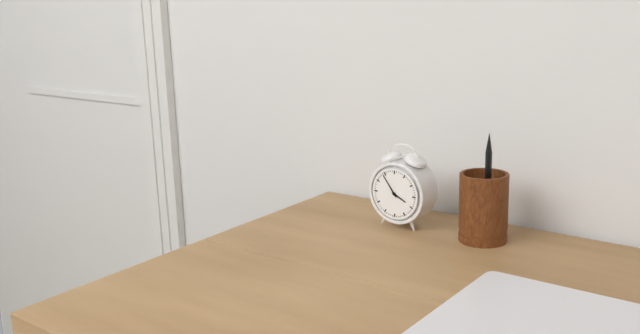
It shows 3,54
